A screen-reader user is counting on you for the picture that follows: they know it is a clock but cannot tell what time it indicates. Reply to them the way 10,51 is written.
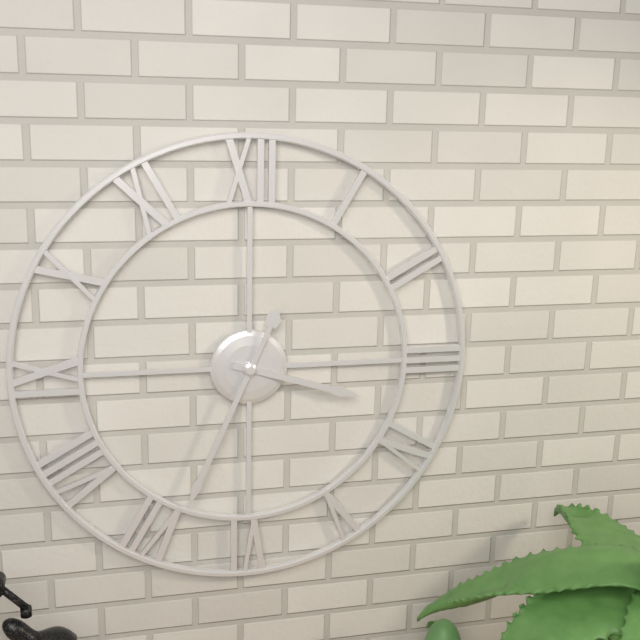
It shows 3,34
